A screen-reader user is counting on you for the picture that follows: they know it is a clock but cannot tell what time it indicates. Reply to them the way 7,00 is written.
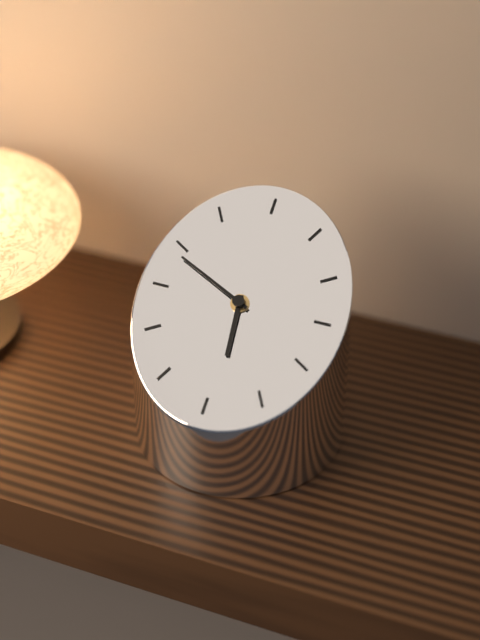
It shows 5,49
